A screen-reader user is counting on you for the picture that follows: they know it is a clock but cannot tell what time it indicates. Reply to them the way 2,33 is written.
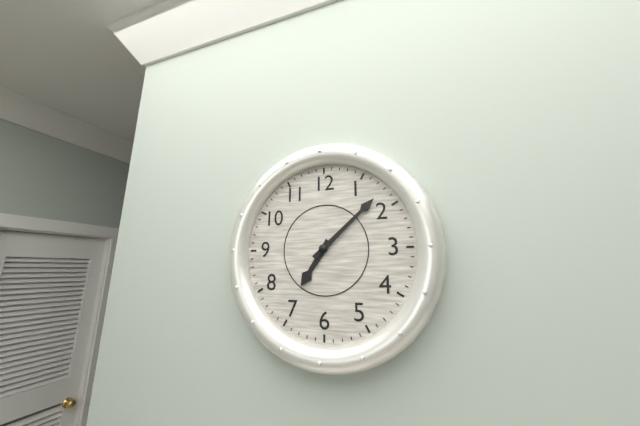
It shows 7,08
